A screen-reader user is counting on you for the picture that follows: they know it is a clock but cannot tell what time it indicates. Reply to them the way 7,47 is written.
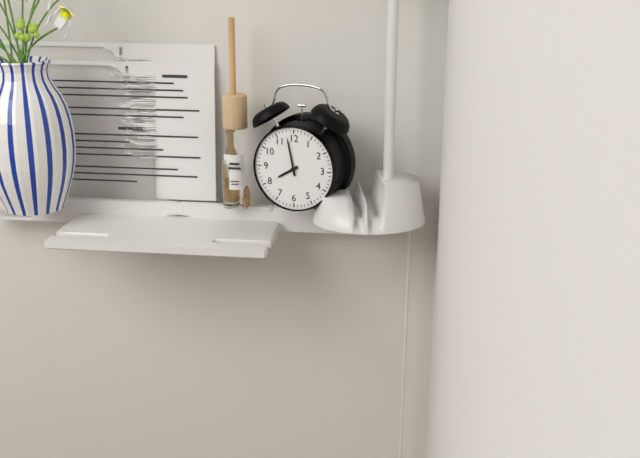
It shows 7,58
